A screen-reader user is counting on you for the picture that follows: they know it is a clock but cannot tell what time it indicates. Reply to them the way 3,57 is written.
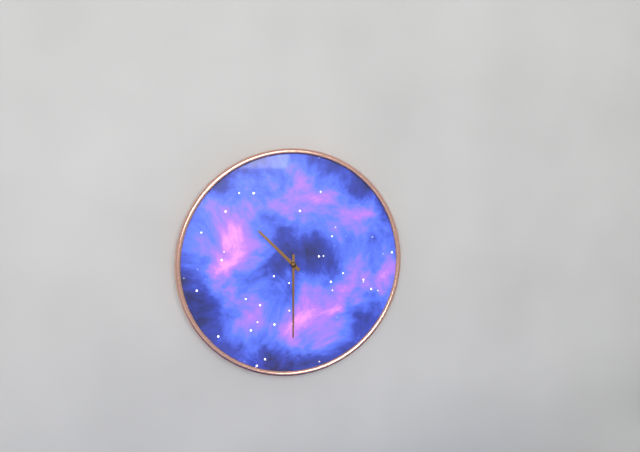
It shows 10,30
